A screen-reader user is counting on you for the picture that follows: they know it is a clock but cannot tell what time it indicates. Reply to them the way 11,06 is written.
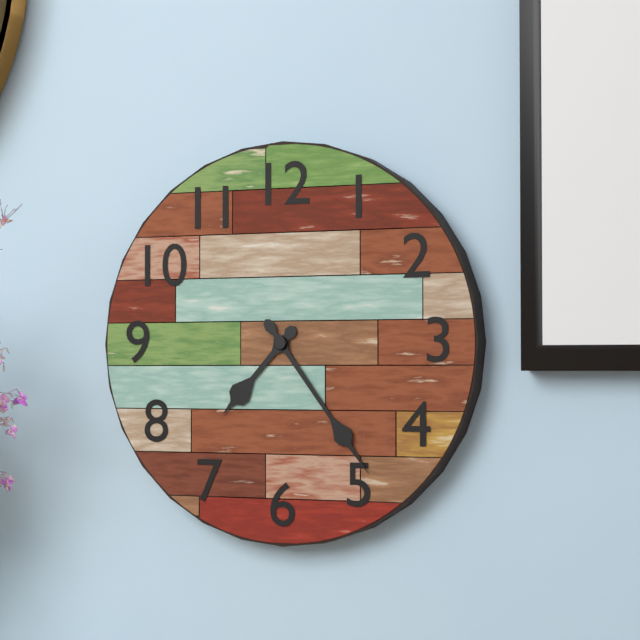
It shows 7,24
